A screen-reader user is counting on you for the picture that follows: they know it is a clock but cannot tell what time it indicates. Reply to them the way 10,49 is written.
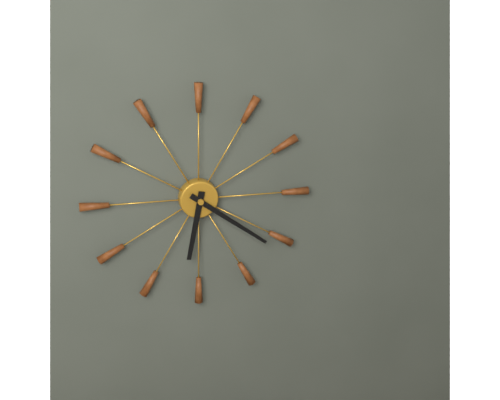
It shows 6,21
